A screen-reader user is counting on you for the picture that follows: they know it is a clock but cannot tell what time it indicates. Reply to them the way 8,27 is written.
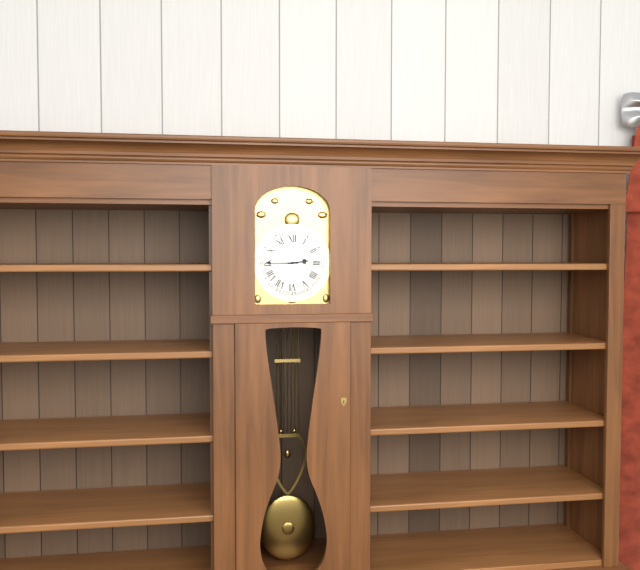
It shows 2,45
